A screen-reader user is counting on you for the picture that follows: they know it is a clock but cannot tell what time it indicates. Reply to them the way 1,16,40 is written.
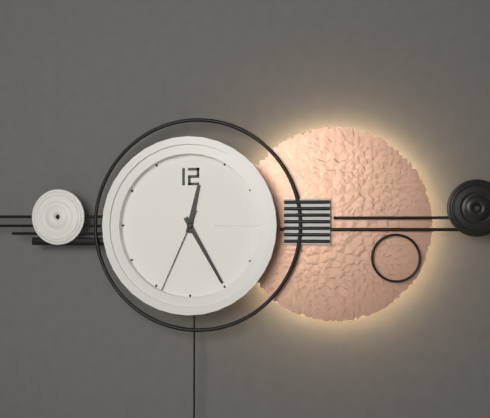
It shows 12,25,34
